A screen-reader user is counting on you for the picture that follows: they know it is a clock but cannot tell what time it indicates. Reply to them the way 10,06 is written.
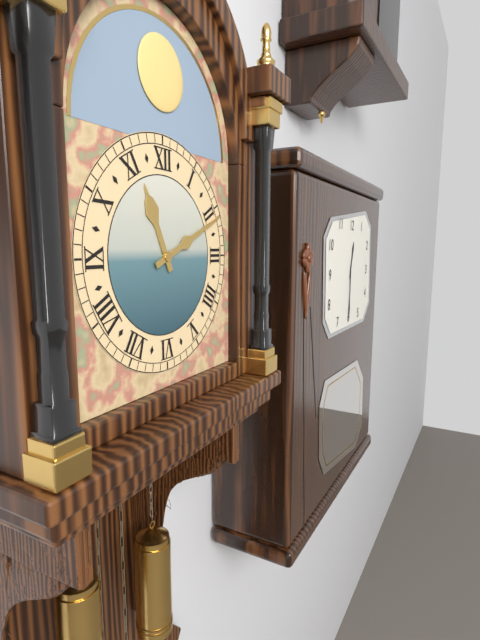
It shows 11,11
